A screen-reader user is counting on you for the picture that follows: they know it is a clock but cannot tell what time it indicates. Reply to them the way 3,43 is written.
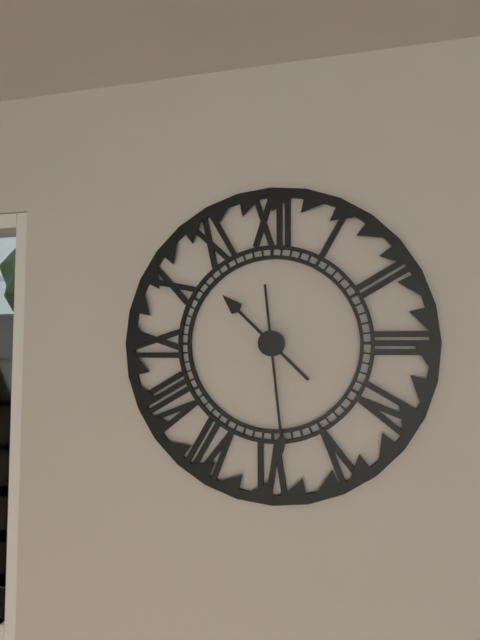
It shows 10,29
